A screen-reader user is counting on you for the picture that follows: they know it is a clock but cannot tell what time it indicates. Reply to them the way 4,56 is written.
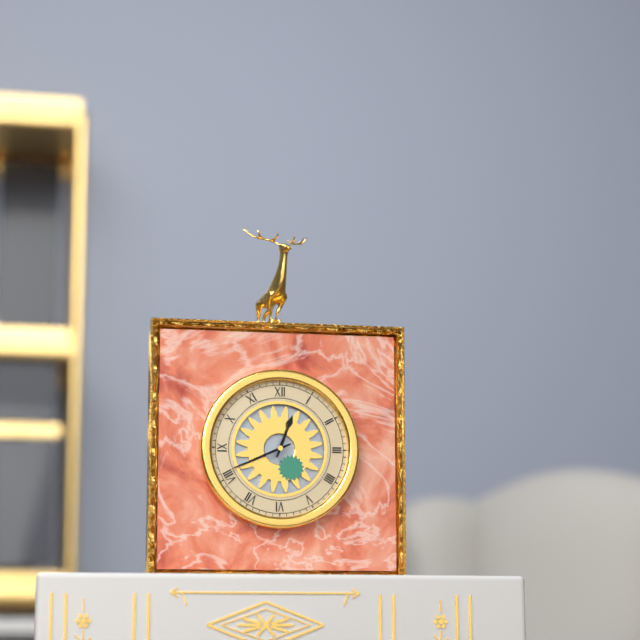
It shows 12,41
